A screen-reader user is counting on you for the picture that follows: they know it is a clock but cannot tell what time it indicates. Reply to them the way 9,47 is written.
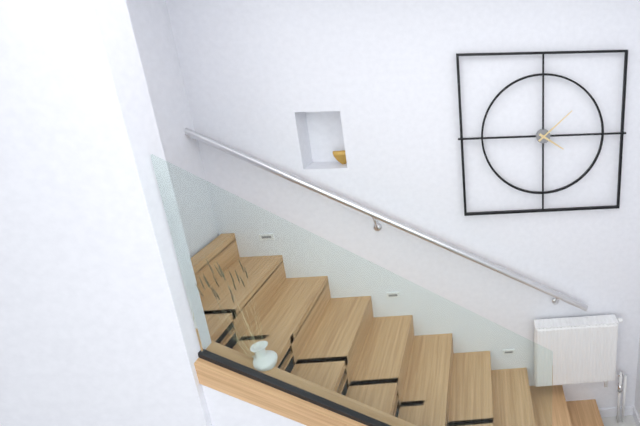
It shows 4,08
